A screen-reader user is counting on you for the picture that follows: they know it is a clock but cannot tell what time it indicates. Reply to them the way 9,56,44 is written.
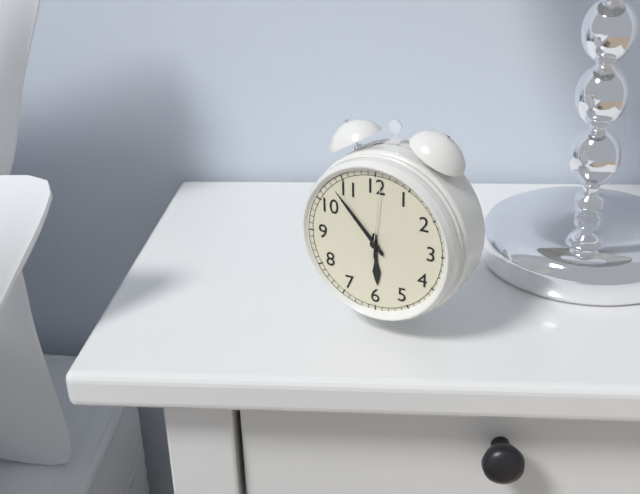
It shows 5,53,01
